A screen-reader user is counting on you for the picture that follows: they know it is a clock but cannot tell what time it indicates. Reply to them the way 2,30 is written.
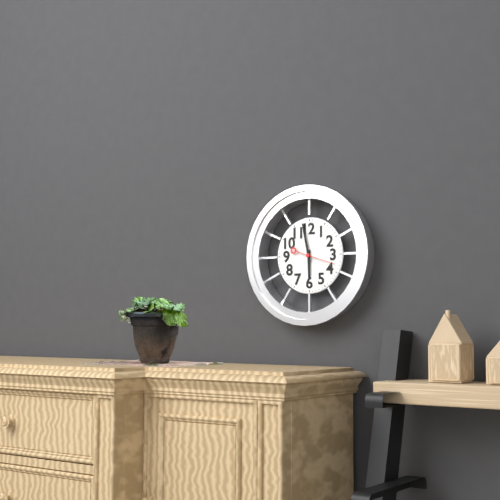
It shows 5,58
